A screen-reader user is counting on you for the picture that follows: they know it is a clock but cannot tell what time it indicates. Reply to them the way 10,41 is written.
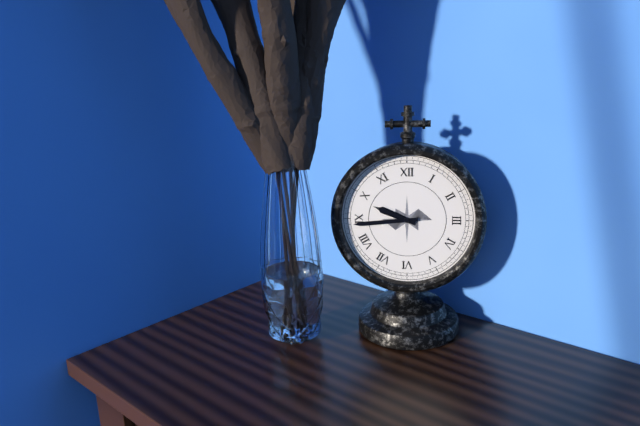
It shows 9,44
